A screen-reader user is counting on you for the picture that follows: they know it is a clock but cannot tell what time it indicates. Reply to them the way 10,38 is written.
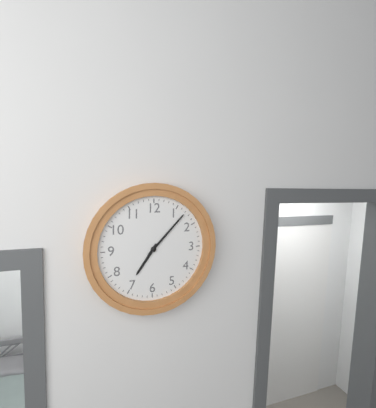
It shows 7,07
